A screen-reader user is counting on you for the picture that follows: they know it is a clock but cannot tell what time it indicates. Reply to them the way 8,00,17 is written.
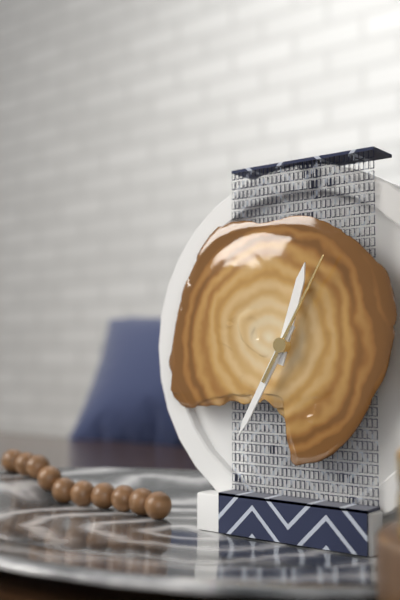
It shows 12,35,05
